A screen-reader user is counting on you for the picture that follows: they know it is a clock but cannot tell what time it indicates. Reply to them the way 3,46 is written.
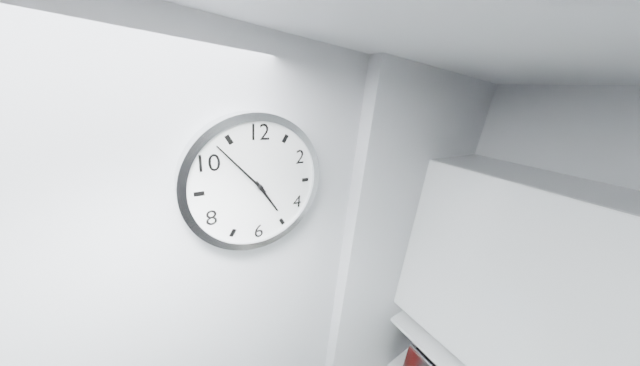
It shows 4,53
